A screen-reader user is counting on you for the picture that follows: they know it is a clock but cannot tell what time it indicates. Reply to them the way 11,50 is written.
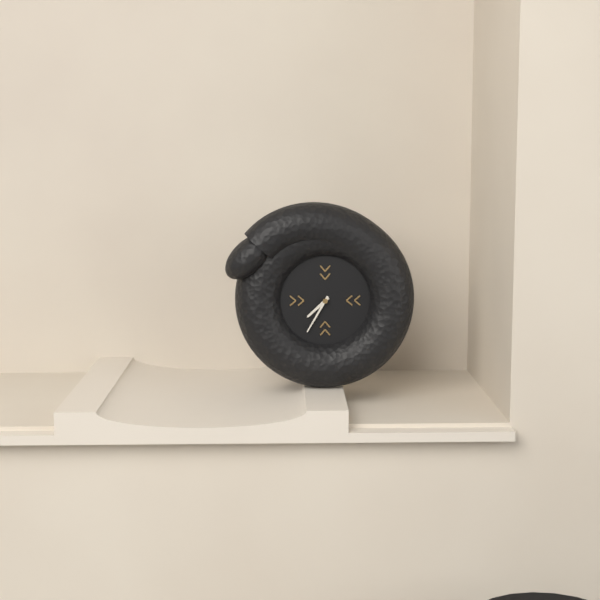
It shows 7,35
